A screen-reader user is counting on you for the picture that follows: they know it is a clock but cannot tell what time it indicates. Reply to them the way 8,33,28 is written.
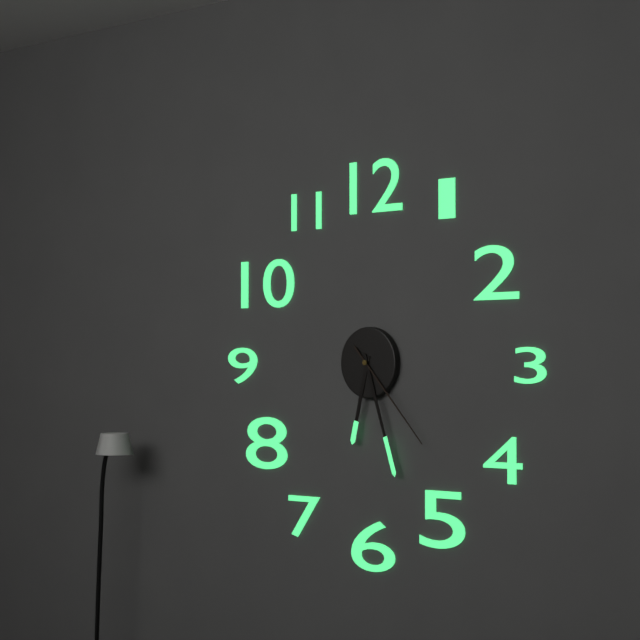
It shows 6,27,23
